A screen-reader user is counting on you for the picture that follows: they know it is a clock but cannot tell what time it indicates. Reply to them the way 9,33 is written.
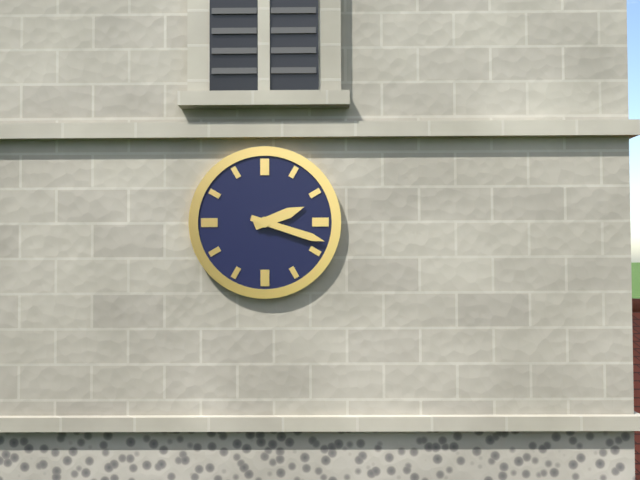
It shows 2,18
